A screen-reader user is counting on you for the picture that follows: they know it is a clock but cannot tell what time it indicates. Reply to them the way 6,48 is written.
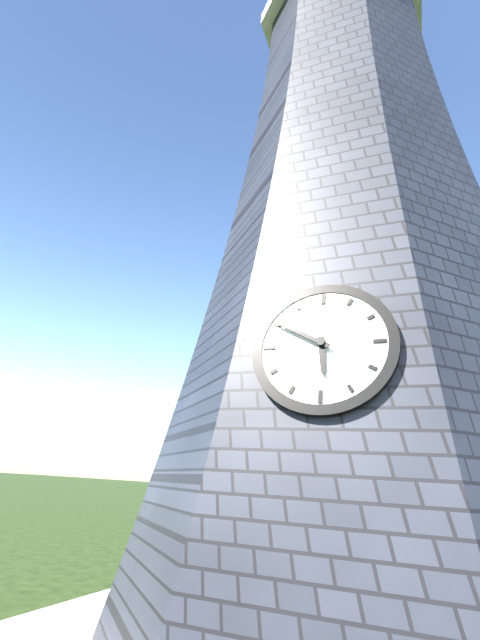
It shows 5,50
